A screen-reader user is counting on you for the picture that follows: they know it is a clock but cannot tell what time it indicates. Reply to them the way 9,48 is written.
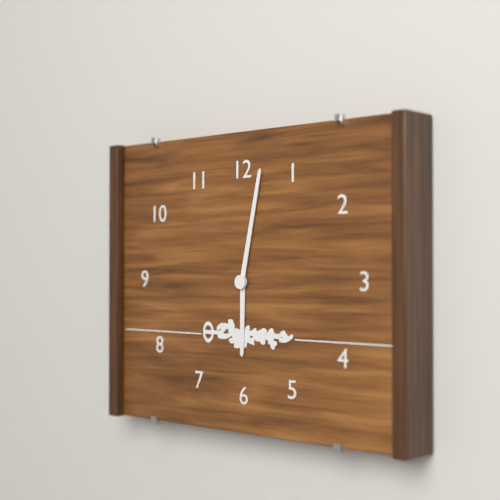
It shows 6,02
